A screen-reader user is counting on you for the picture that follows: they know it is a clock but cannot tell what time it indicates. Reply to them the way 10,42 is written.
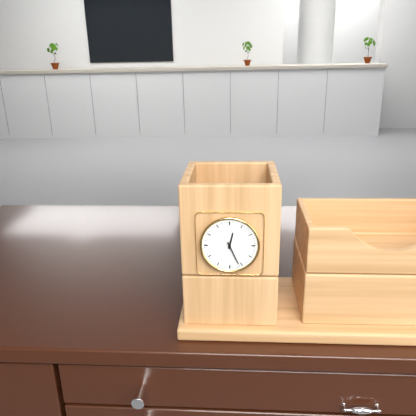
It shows 12,26
